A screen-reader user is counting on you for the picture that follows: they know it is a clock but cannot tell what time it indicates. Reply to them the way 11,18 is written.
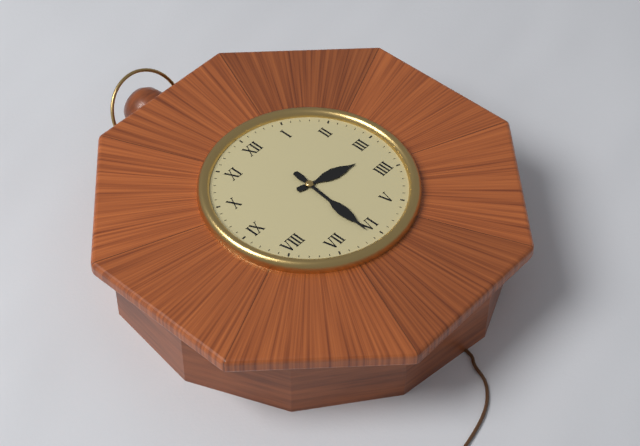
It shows 3,31
